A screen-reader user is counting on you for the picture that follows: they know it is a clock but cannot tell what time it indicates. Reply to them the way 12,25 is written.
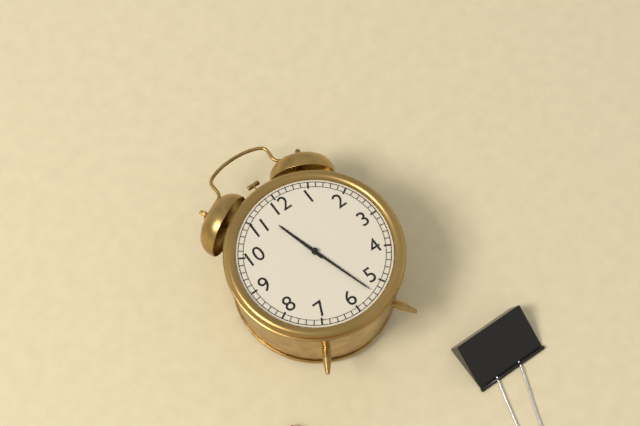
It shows 11,27
